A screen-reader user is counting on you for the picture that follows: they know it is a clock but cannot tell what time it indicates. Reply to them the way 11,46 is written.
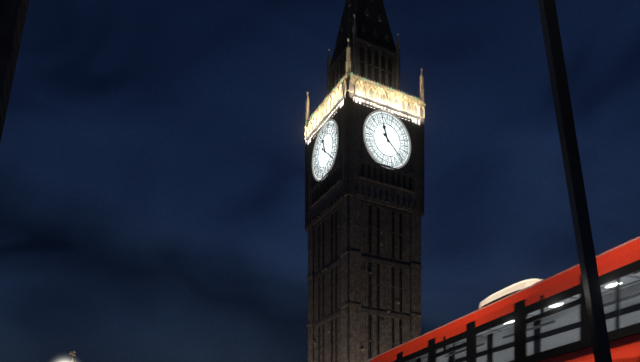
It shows 11,22
